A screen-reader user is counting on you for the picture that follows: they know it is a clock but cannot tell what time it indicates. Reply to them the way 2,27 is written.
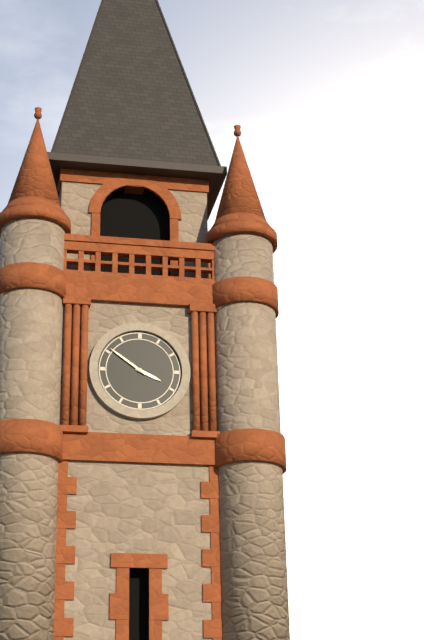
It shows 3,51
